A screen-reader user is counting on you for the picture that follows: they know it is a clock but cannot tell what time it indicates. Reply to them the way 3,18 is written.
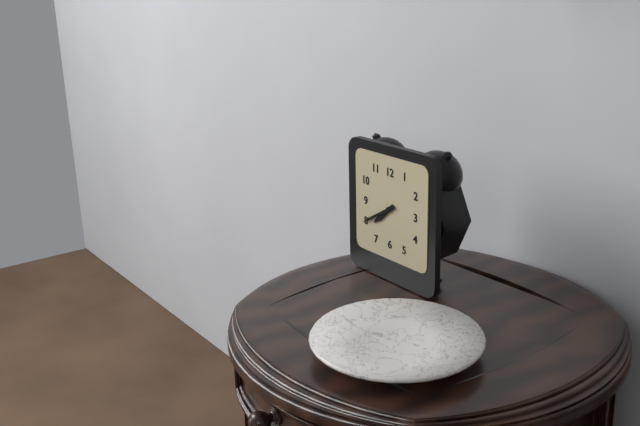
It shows 7,40
